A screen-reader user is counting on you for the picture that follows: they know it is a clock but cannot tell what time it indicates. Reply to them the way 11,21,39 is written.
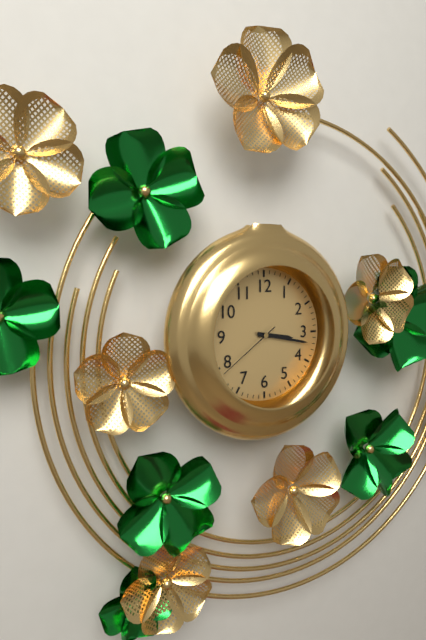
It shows 3,17,39
